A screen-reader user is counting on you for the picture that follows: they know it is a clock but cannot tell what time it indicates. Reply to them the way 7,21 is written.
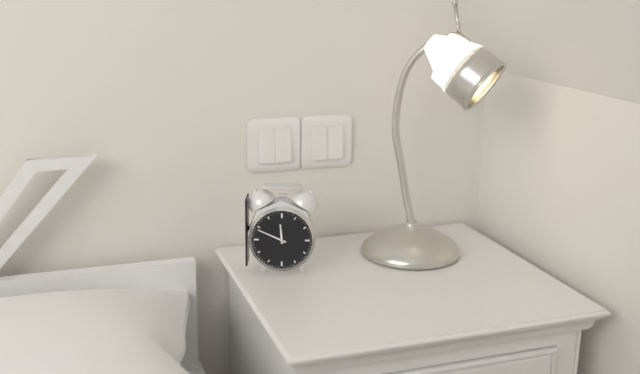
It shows 11,49
